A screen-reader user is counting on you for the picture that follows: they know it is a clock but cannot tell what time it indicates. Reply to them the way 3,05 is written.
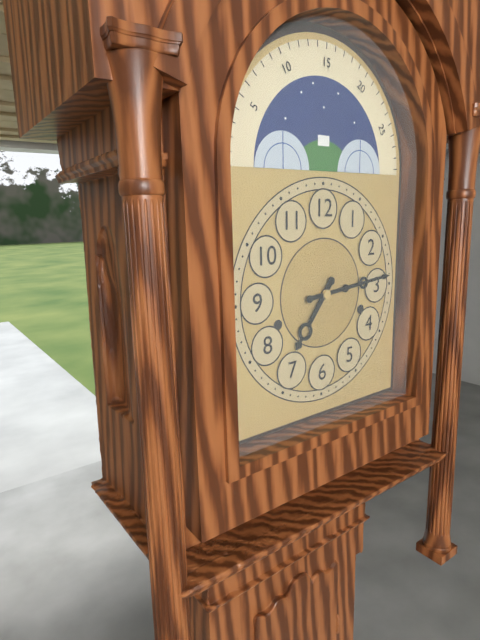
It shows 7,14
